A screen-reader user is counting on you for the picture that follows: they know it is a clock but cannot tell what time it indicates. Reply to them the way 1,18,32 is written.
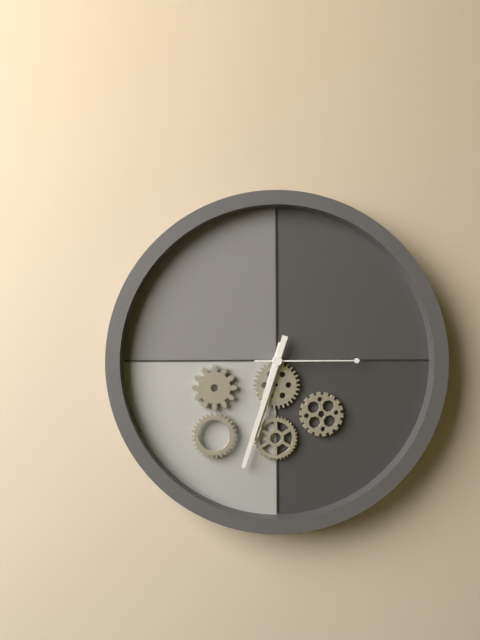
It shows 6,33,15
